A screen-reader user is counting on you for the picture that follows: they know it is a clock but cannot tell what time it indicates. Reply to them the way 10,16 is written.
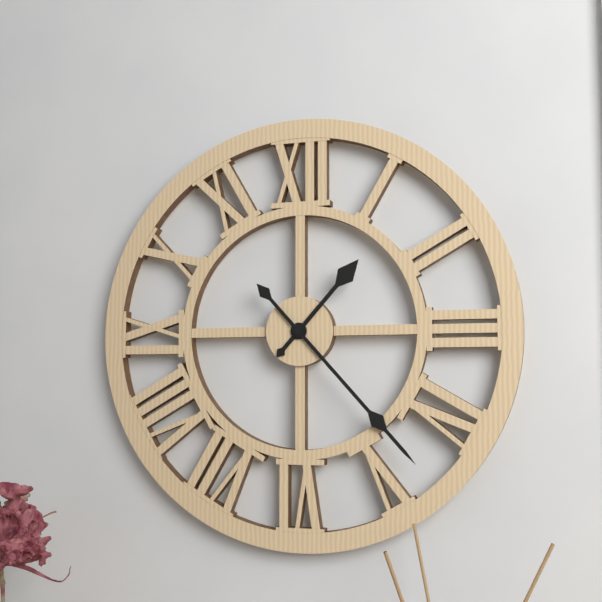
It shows 1,23
